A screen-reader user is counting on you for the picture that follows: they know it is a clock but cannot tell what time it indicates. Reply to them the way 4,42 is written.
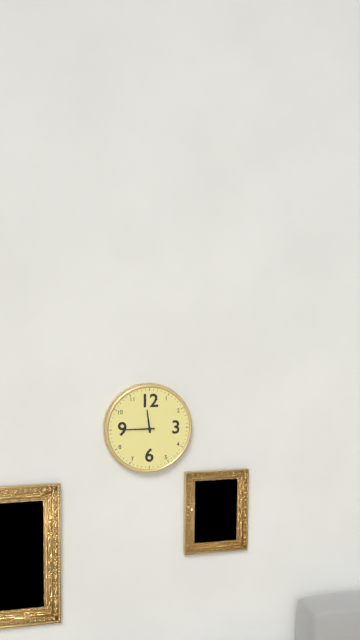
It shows 11,45
